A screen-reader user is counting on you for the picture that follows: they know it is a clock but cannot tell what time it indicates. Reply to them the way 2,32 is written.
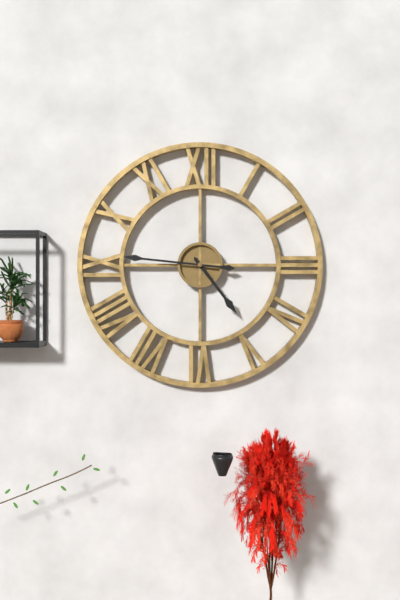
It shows 4,46
